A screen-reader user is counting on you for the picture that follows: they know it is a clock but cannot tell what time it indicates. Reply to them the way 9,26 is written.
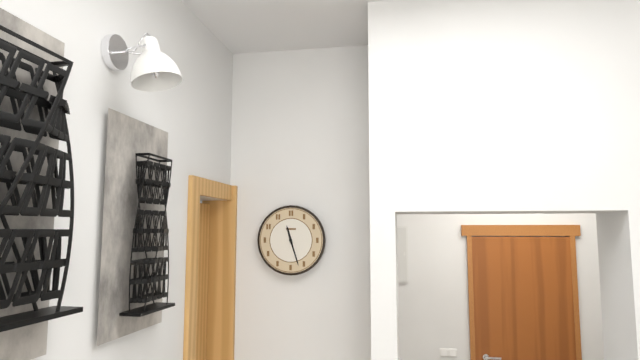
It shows 11,27
